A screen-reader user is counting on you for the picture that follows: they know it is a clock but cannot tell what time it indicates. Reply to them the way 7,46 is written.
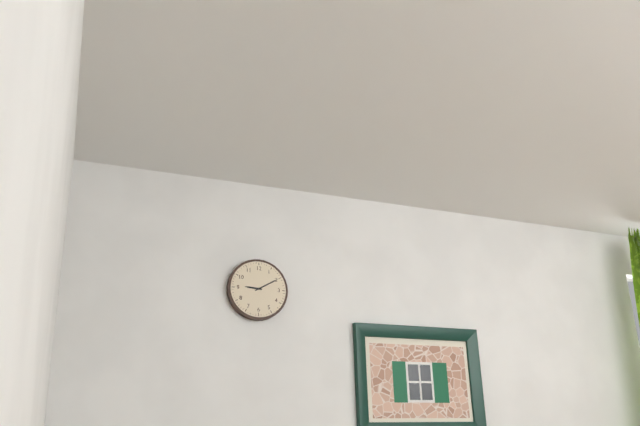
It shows 9,10
